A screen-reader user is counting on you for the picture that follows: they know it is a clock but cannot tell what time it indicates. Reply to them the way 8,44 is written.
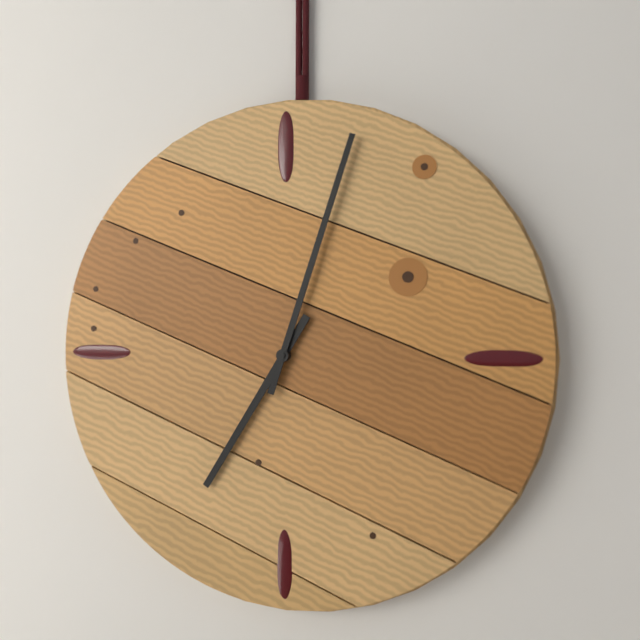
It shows 7,03
